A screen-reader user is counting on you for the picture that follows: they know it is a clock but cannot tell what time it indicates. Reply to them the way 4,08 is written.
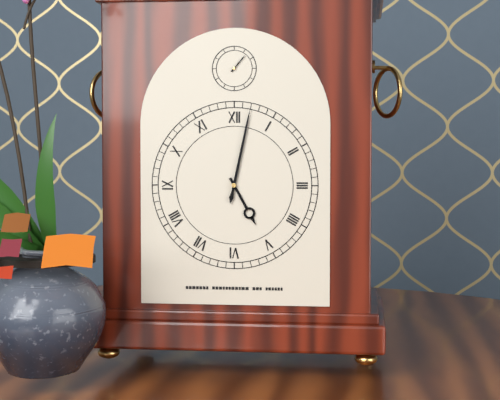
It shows 5,02
